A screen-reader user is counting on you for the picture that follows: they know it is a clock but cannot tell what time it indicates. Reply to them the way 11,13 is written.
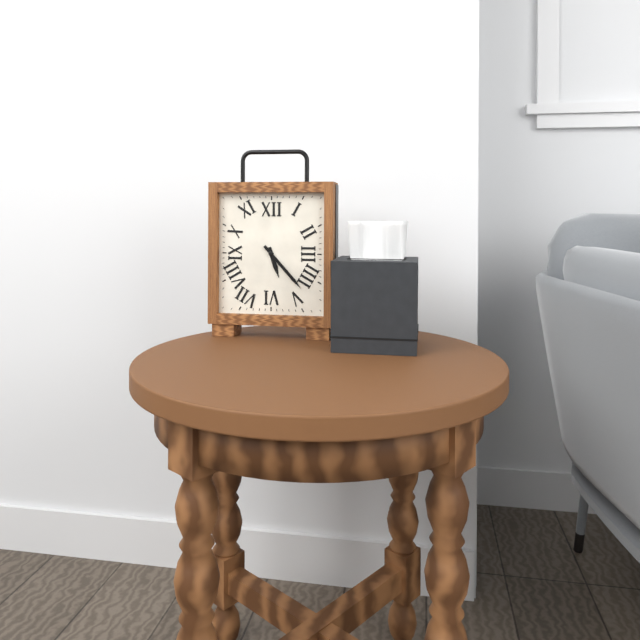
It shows 5,23
